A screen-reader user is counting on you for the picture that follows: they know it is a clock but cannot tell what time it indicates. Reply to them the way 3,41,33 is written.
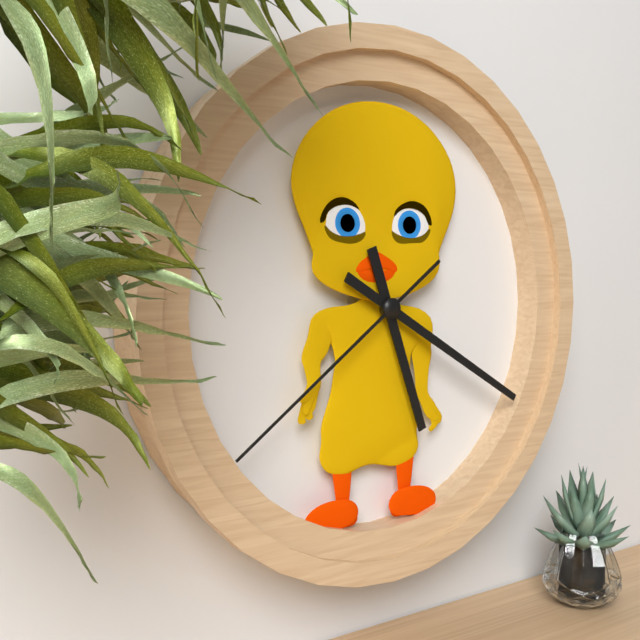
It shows 5,20,39
